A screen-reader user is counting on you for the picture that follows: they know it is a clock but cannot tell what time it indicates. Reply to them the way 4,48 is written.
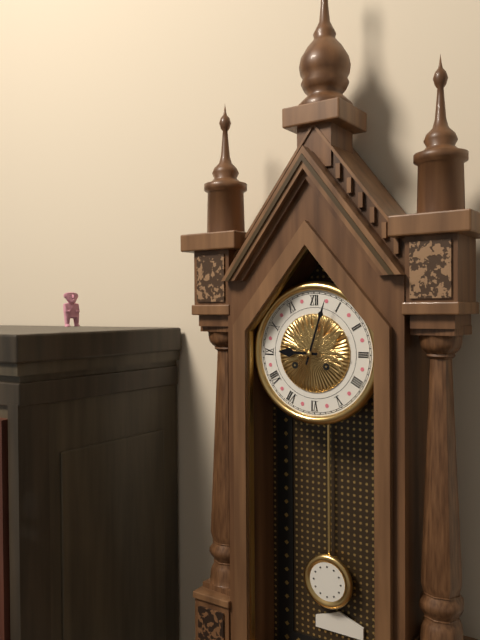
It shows 9,03
